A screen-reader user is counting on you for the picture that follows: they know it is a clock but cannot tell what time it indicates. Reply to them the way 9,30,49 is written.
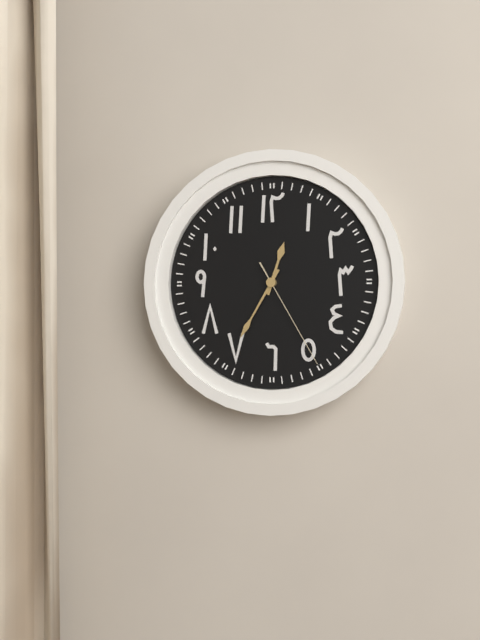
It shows 12,35,25
